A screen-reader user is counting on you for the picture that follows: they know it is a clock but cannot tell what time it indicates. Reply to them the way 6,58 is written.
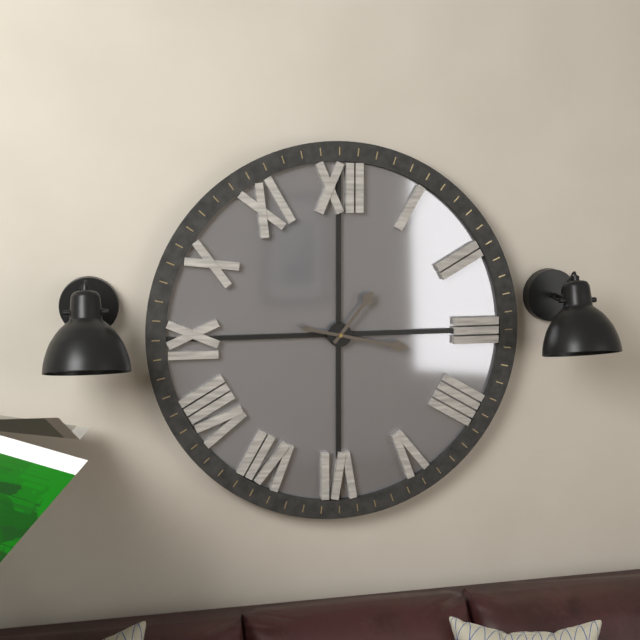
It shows 1,17
